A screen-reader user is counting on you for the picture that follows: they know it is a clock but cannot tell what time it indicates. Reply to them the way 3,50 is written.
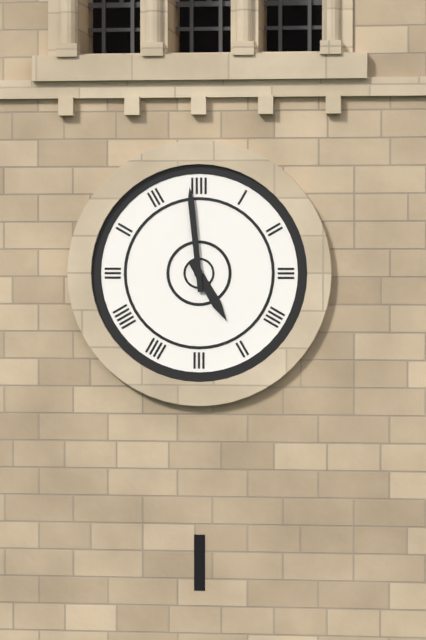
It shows 4,59
